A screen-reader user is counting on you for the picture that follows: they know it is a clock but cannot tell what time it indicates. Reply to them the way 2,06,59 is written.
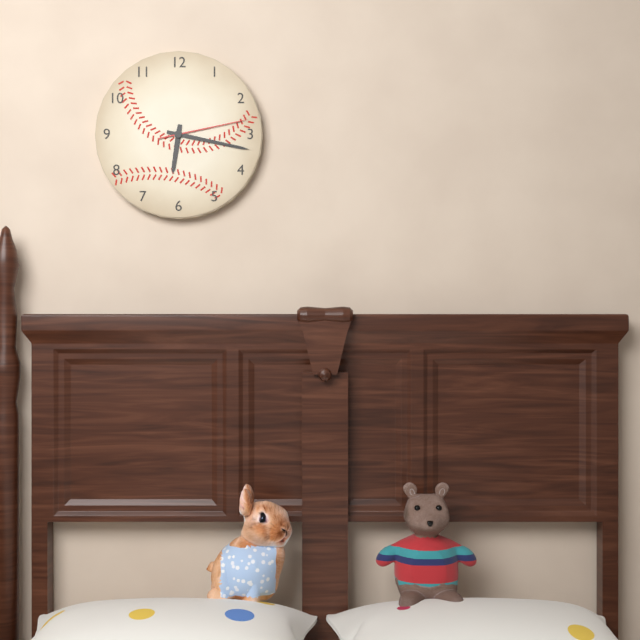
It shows 6,17,13
